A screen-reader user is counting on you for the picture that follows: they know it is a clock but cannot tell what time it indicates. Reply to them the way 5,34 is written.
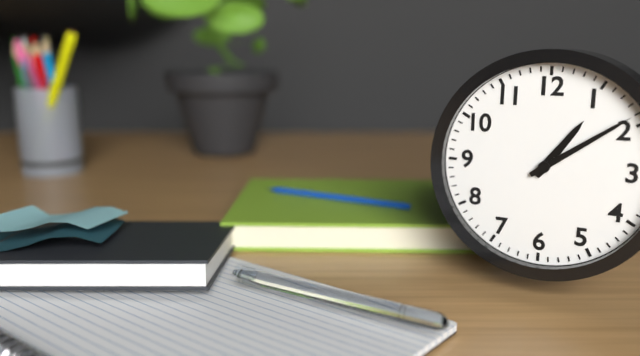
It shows 1,09
